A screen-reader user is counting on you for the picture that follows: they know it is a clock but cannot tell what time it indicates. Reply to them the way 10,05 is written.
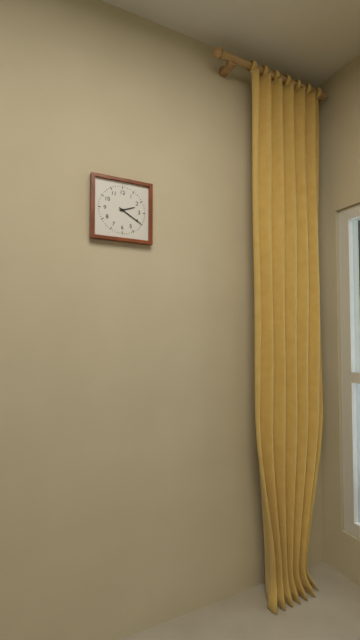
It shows 2,20
